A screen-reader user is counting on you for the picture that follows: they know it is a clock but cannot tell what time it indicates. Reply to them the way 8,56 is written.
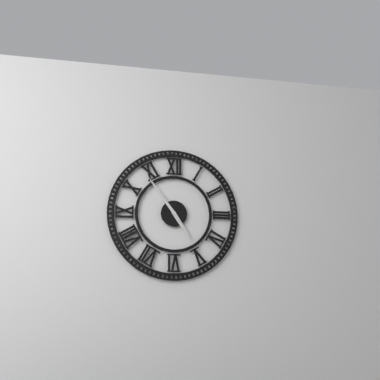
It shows 4,54
